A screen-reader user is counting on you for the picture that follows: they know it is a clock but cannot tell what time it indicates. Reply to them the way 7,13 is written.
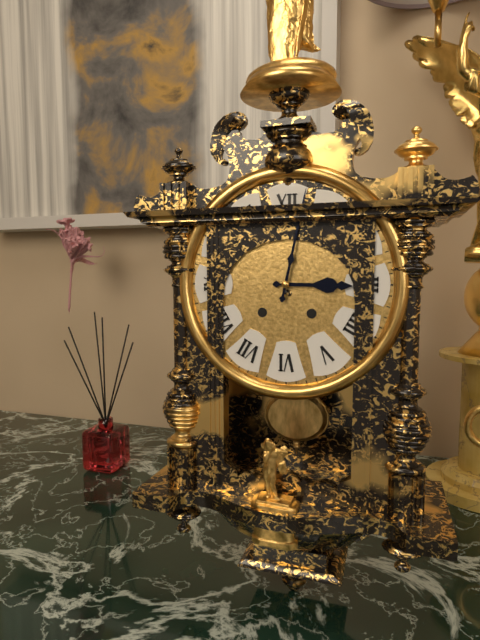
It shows 3,02
